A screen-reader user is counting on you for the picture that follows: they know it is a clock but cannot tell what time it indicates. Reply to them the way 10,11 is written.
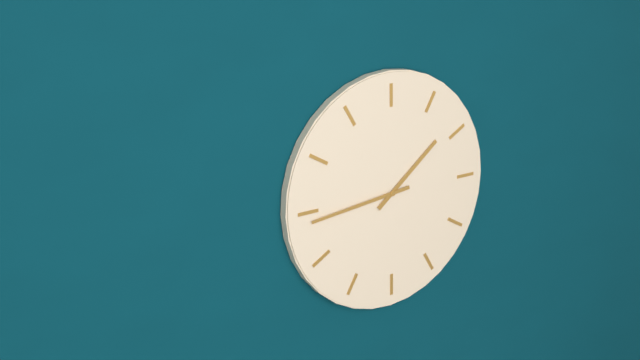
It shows 1,44
